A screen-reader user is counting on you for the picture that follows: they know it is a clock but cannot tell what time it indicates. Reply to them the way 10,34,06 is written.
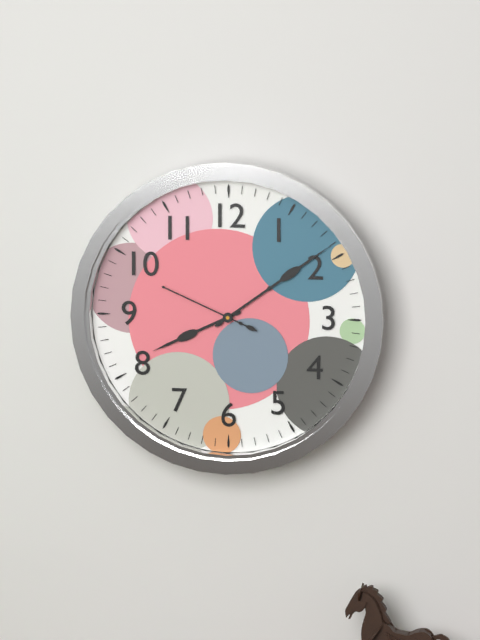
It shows 8,09,49
